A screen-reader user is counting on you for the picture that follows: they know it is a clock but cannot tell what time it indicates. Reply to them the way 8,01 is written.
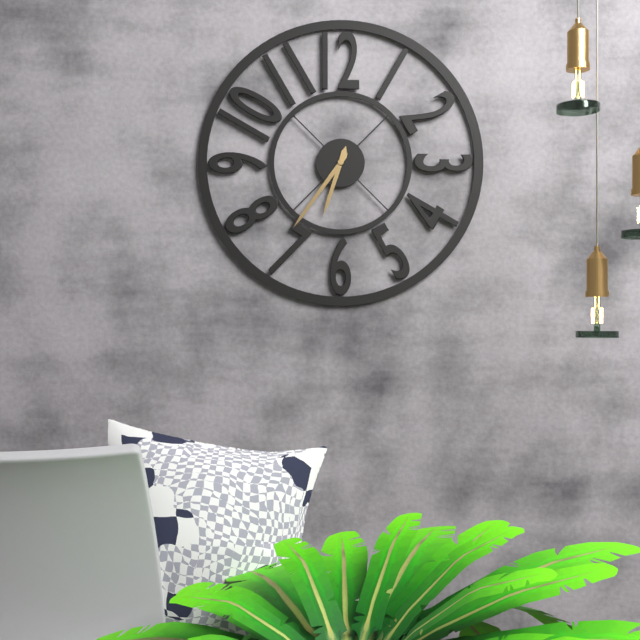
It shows 6,36
